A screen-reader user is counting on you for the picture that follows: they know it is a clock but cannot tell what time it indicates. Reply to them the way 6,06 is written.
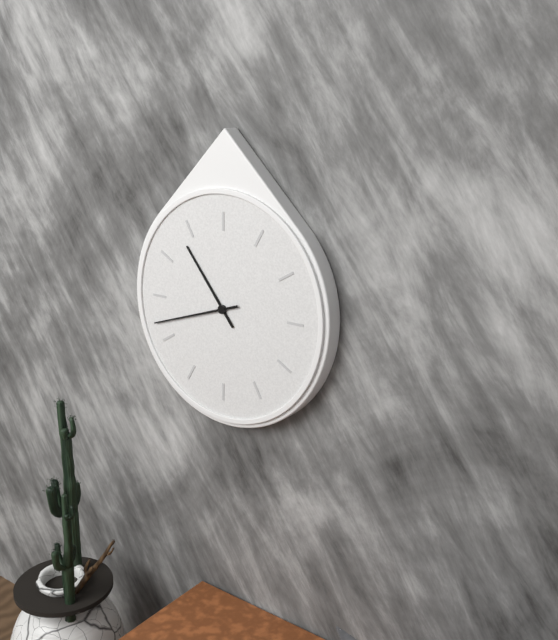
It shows 10,42
